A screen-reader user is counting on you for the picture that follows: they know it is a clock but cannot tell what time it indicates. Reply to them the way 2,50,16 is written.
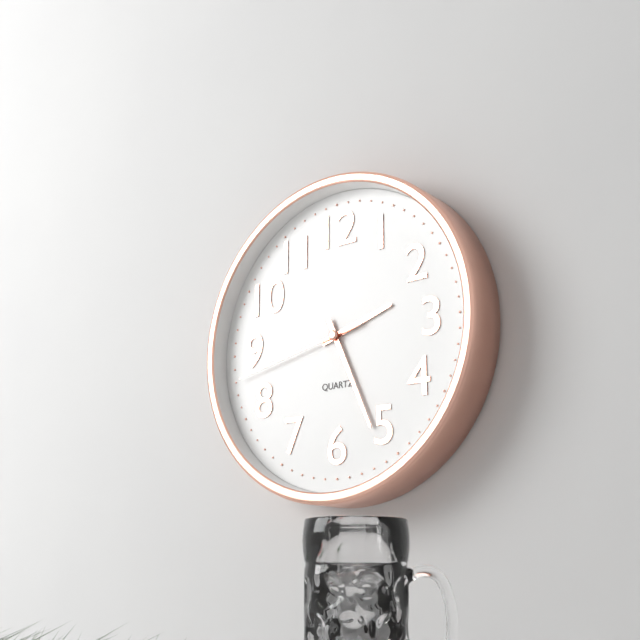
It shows 2,26,43
